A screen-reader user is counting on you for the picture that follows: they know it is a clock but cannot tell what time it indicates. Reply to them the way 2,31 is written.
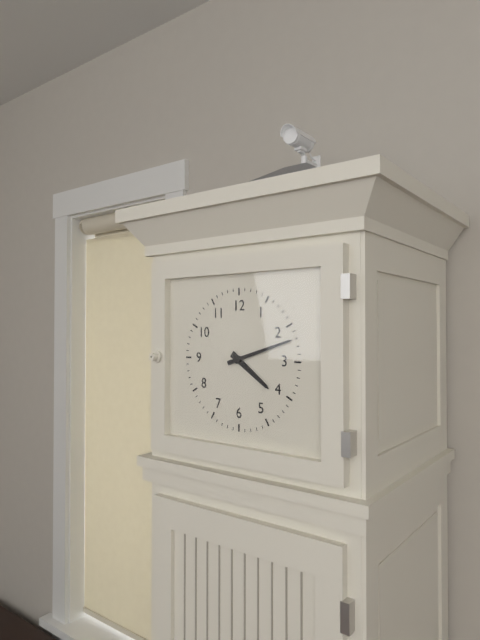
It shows 4,12
